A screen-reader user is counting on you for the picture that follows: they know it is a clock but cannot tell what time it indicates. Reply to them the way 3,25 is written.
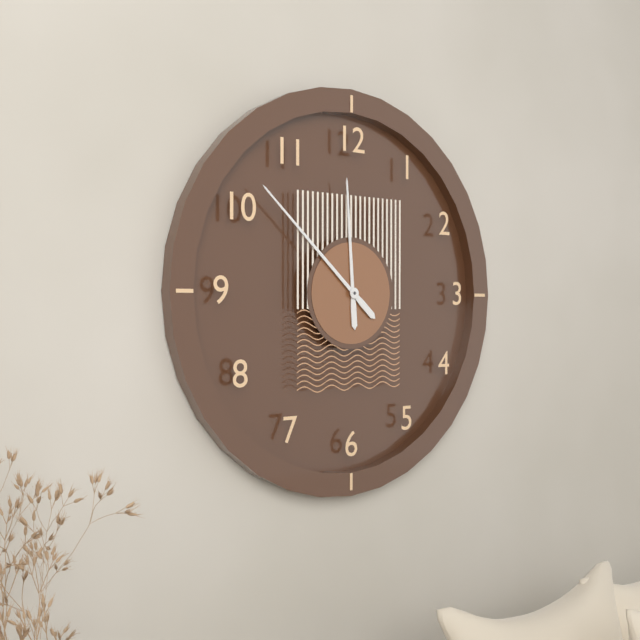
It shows 11,52
